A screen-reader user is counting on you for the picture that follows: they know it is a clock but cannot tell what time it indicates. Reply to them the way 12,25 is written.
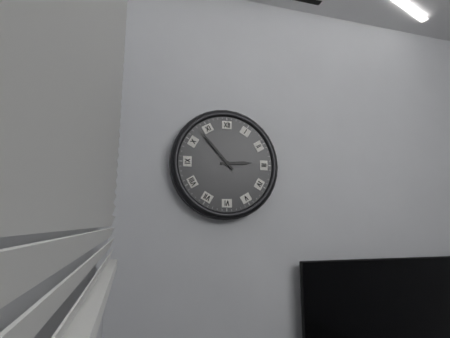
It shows 2,53
